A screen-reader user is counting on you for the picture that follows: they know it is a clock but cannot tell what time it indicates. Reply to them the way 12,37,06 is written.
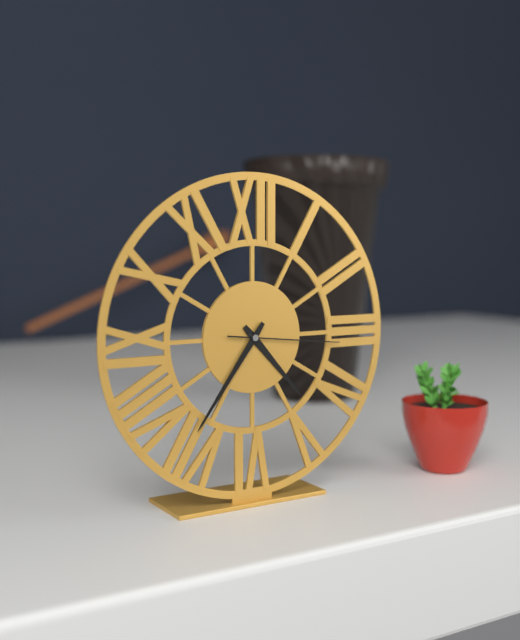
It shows 4,36,16
